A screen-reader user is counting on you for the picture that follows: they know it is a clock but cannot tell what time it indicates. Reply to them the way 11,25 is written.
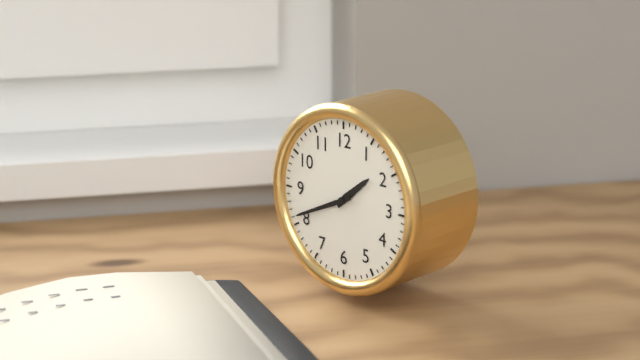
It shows 1,41
